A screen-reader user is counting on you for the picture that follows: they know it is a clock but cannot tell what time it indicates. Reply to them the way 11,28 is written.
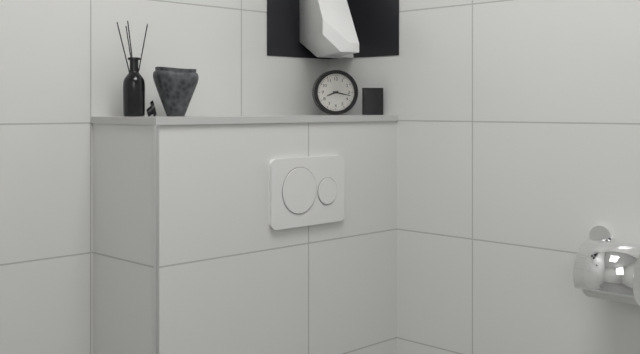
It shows 8,17
